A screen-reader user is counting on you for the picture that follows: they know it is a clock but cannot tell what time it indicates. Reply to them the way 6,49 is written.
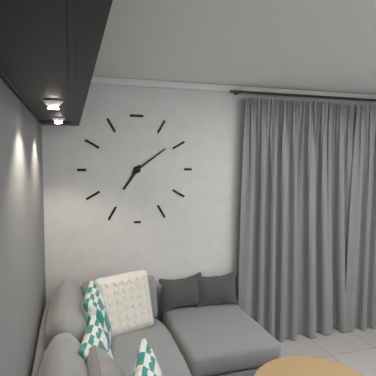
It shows 7,09
